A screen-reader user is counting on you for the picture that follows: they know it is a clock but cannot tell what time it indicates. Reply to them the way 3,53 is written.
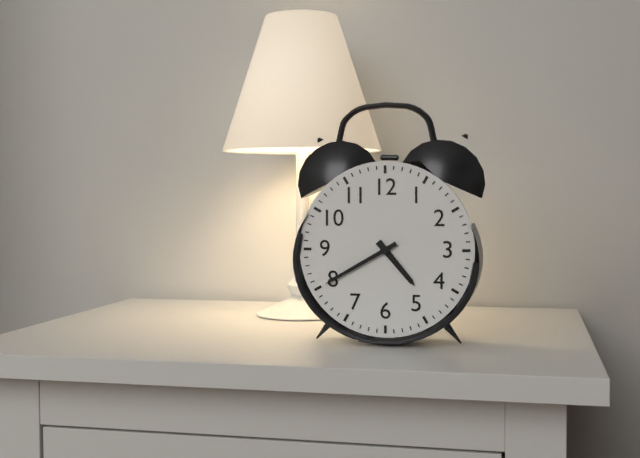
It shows 4,40
